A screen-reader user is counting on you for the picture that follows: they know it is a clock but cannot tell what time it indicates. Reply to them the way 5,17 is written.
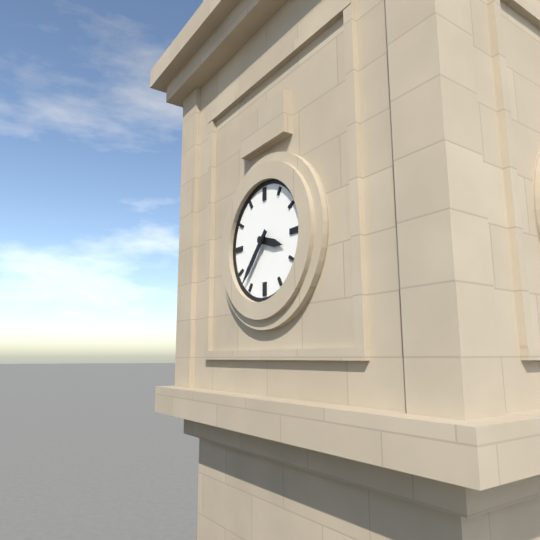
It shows 3,37
